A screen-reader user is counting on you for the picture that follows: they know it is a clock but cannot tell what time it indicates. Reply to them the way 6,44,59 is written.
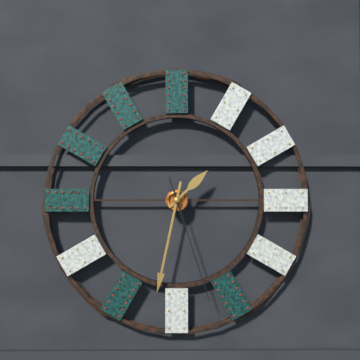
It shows 1,32,27
